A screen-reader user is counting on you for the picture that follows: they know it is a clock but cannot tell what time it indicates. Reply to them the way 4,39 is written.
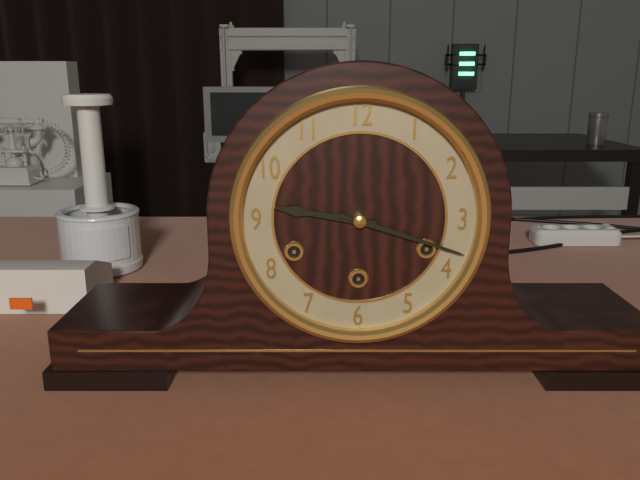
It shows 9,18
